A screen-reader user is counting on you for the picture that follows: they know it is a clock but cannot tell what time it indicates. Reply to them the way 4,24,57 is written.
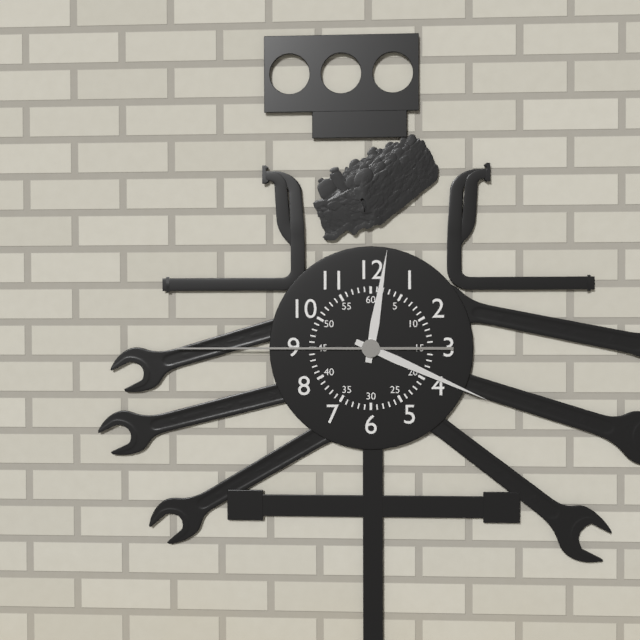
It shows 12,19,45
